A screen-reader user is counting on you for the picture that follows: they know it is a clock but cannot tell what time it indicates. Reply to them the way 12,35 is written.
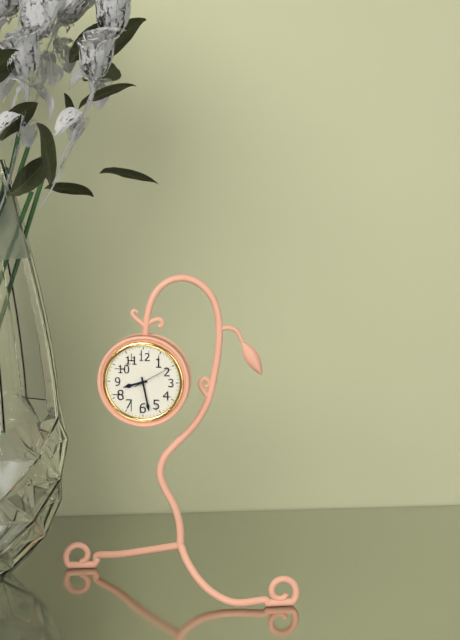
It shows 8,28
